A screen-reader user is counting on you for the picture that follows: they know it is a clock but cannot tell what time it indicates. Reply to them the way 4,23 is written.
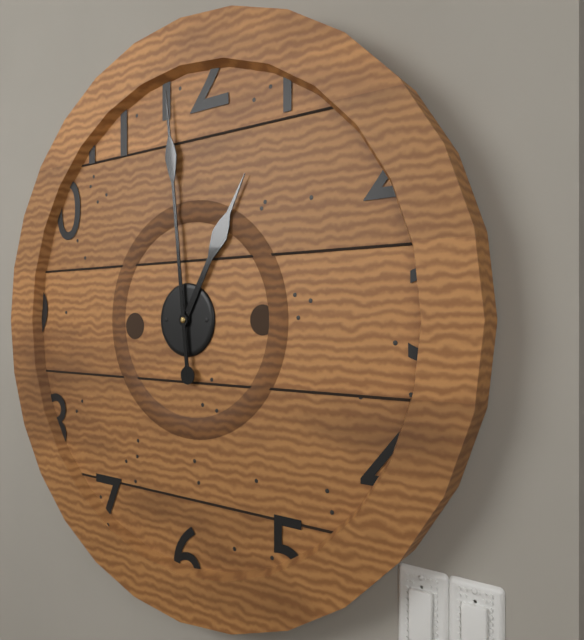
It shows 12,59
